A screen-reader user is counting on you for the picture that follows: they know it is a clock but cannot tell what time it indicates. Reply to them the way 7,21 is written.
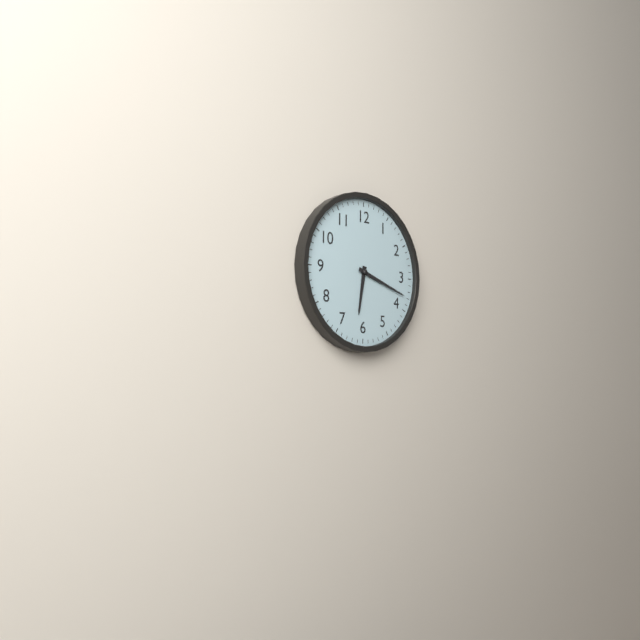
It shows 6,18
